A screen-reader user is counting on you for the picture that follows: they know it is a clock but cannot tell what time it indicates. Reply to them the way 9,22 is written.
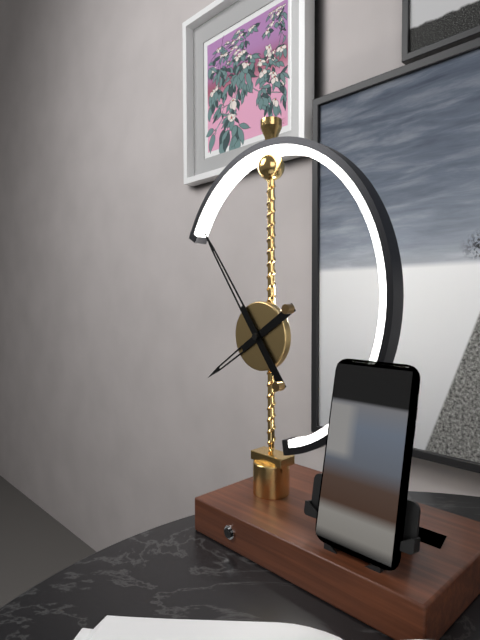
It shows 7,54
